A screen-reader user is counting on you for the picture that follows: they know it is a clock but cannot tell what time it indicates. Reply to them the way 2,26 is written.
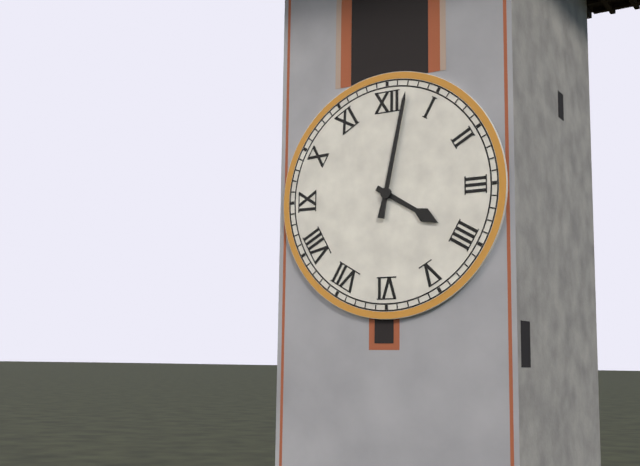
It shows 4,02
